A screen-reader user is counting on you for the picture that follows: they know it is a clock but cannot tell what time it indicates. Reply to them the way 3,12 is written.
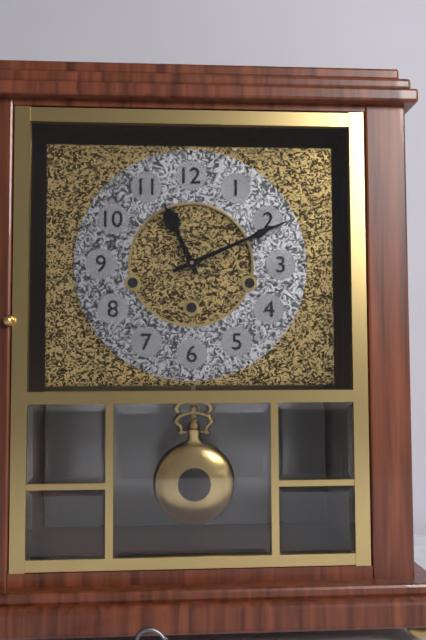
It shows 11,11
